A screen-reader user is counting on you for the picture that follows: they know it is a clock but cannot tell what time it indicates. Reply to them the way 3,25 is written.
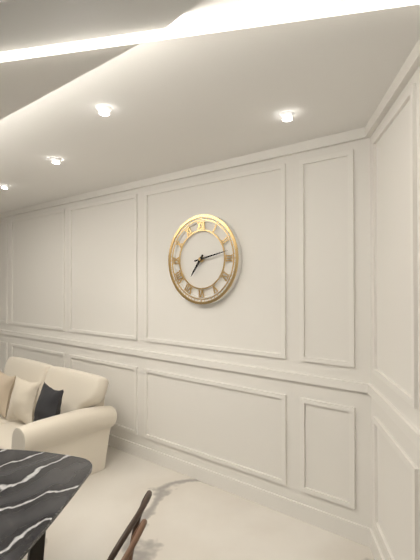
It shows 7,13
